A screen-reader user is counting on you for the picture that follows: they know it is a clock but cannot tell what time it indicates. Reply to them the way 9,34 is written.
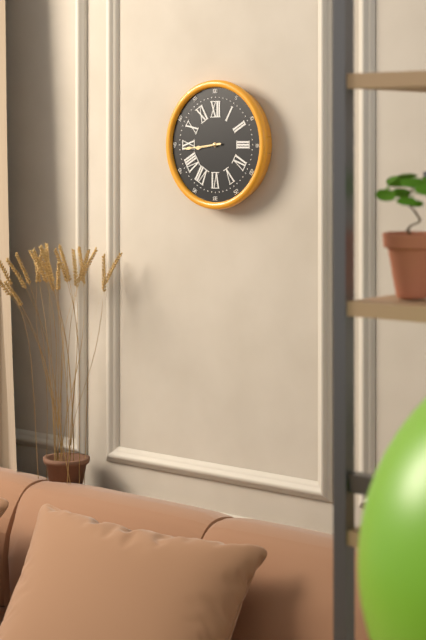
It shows 8,44
